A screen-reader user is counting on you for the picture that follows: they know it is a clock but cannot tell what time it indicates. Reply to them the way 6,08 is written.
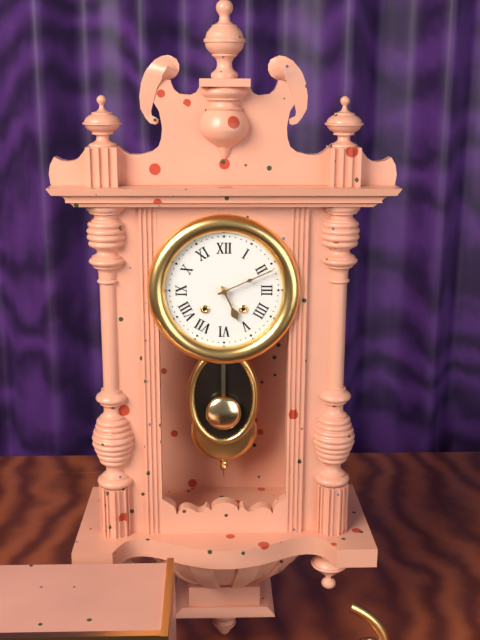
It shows 5,11
